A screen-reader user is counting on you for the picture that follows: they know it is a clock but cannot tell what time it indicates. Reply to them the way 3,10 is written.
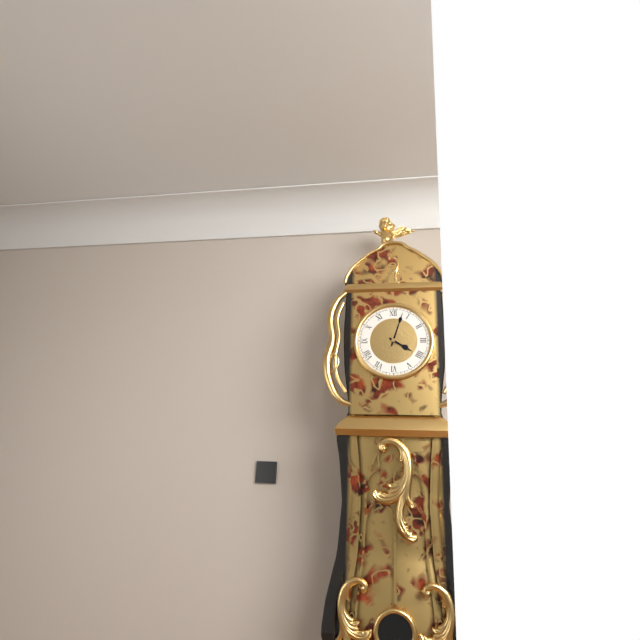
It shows 4,03
